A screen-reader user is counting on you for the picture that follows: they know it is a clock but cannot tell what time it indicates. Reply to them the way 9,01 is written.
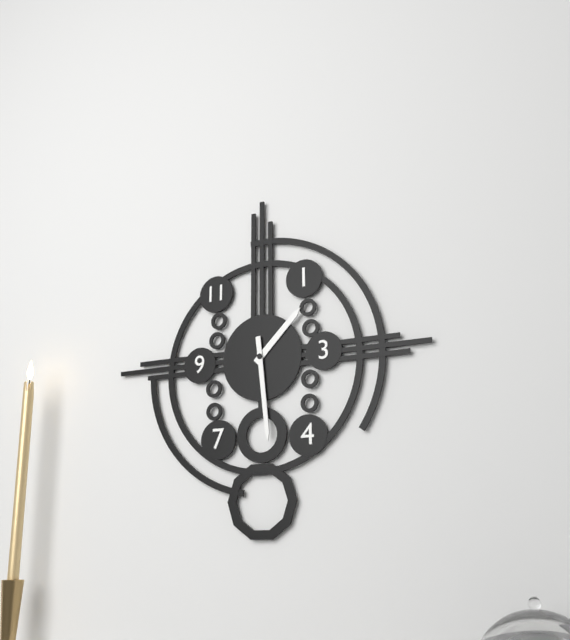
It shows 1,29
